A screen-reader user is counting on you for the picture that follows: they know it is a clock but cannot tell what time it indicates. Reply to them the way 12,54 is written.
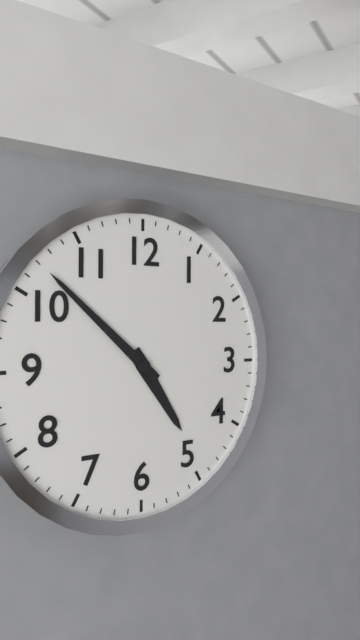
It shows 4,52
